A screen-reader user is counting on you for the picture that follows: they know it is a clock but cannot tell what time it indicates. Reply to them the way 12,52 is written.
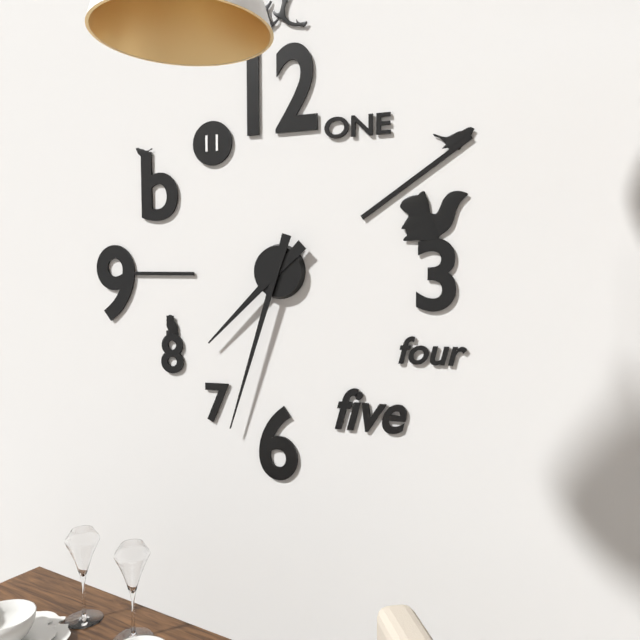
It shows 7,33
